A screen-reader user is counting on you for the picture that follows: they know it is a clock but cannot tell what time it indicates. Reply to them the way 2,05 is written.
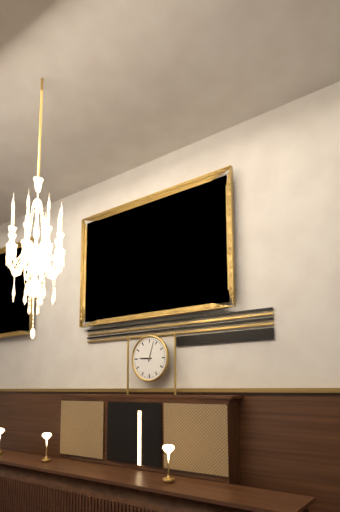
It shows 9,03
